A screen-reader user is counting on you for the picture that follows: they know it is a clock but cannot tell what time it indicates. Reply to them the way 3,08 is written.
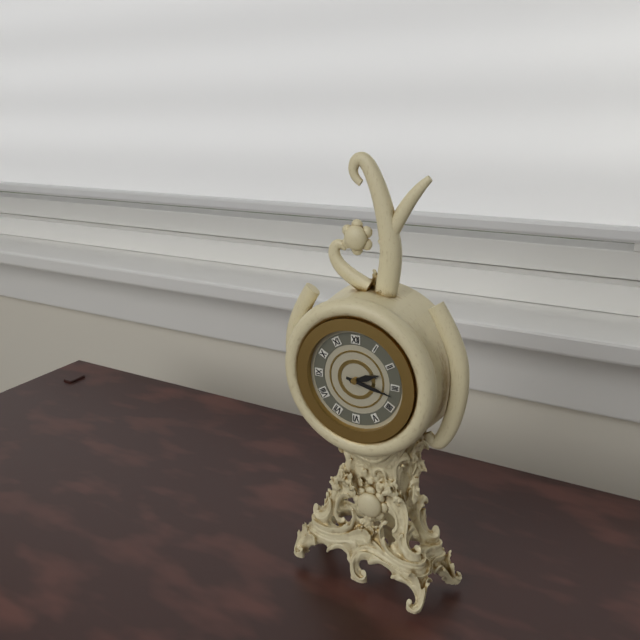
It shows 2,17
